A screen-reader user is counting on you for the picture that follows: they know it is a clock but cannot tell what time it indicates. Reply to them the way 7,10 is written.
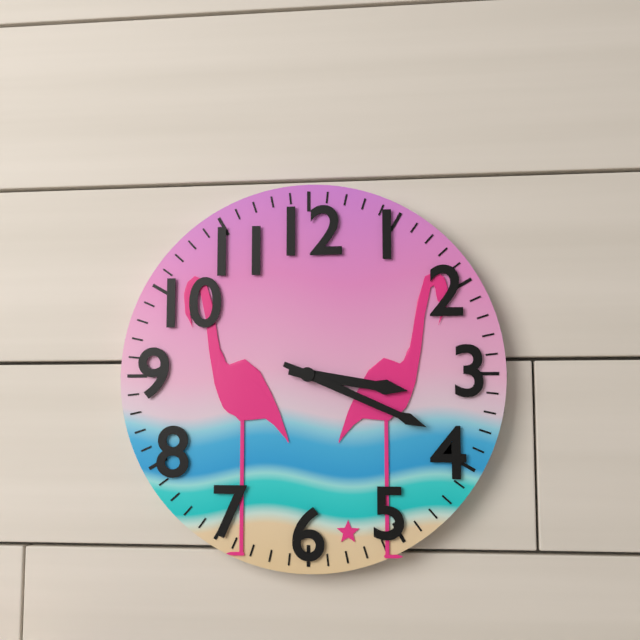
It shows 3,19
